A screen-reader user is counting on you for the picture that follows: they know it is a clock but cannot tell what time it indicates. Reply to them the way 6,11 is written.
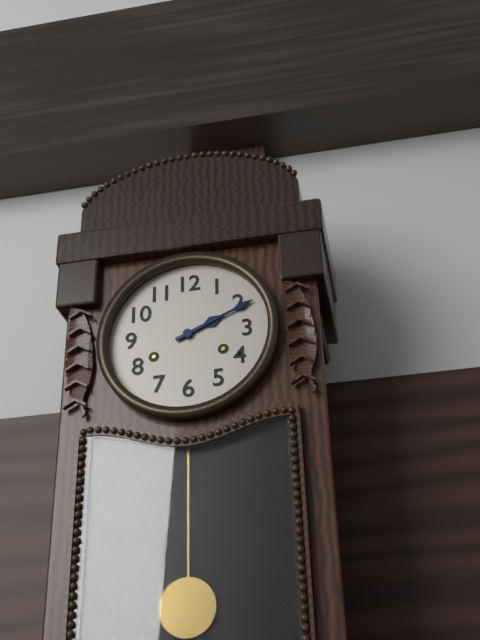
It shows 2,11
